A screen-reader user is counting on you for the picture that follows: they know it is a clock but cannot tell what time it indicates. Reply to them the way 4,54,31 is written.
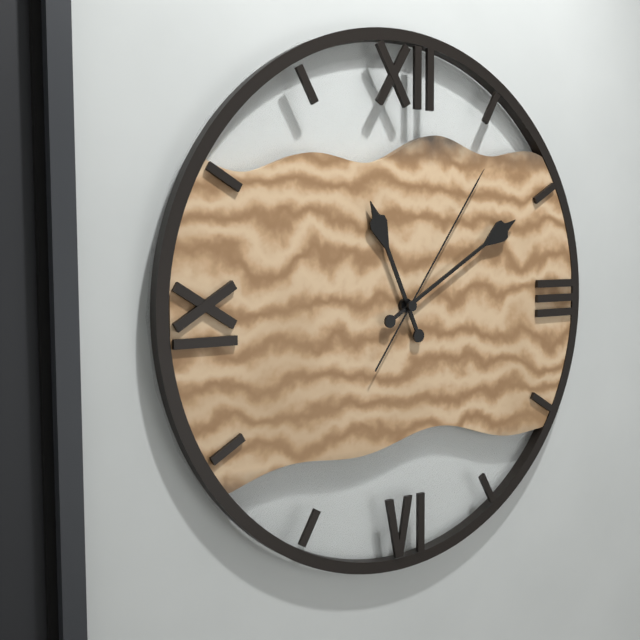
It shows 11,10,06
